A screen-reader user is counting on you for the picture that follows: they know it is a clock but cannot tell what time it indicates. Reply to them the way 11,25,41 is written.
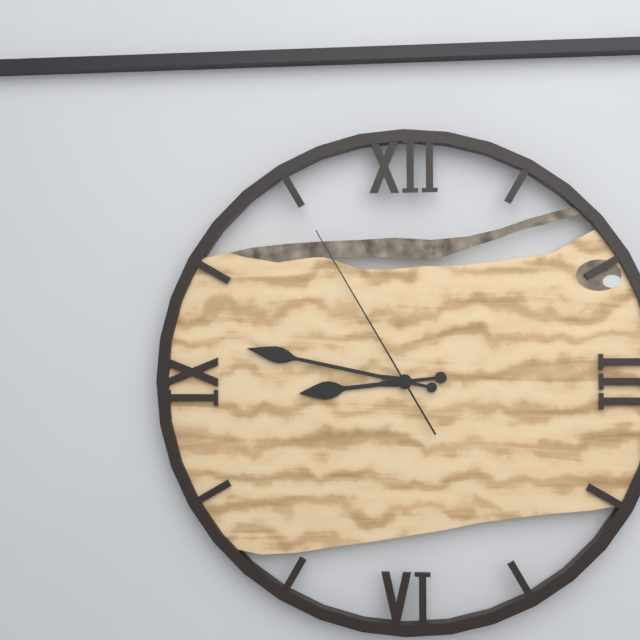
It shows 8,47,55
